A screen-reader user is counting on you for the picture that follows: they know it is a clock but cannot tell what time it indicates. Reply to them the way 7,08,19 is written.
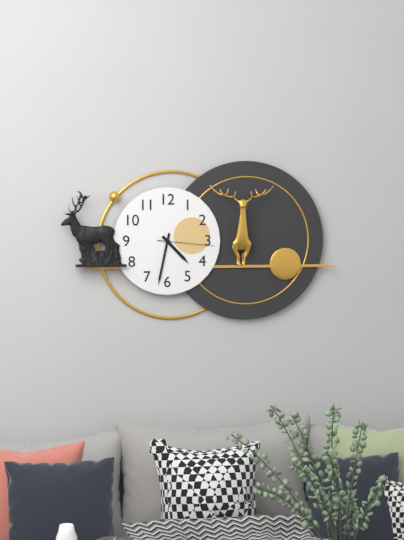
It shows 4,32,16
